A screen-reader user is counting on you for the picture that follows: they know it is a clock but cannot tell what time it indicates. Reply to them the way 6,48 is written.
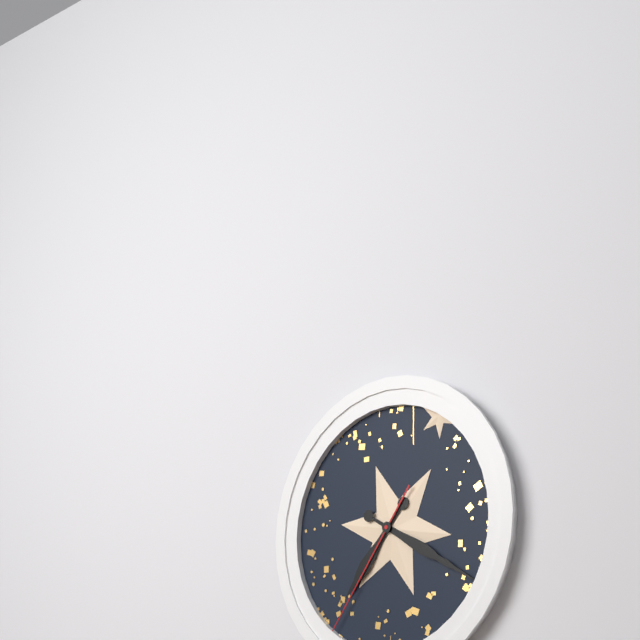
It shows 7,20
